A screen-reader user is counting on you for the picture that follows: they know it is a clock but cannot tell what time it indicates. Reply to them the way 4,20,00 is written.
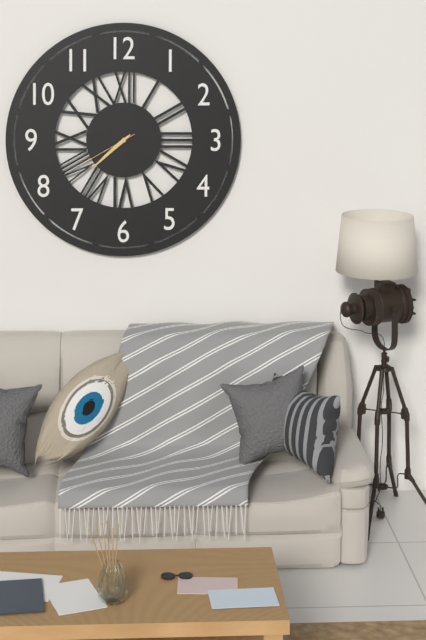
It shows 7,38,40
